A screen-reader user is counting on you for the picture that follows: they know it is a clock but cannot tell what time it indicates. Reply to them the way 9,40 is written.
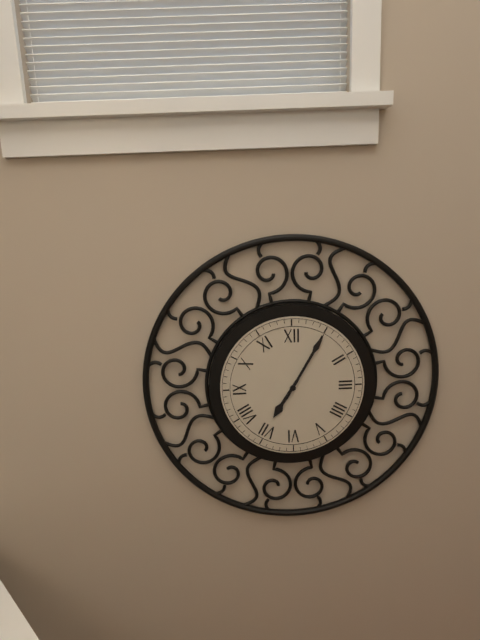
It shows 7,05
